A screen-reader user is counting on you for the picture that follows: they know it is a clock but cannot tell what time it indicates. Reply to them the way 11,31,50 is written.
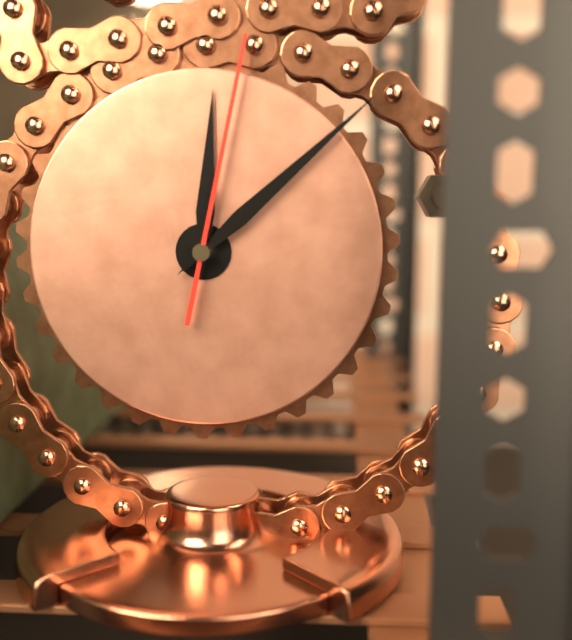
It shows 12,08,02
